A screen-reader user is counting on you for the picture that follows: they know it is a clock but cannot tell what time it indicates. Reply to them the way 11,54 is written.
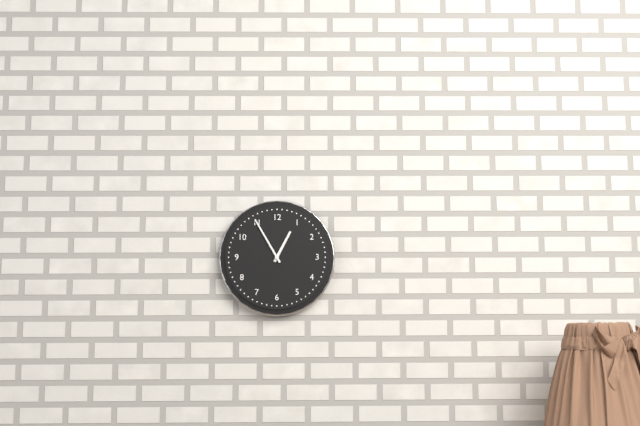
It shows 12,55
